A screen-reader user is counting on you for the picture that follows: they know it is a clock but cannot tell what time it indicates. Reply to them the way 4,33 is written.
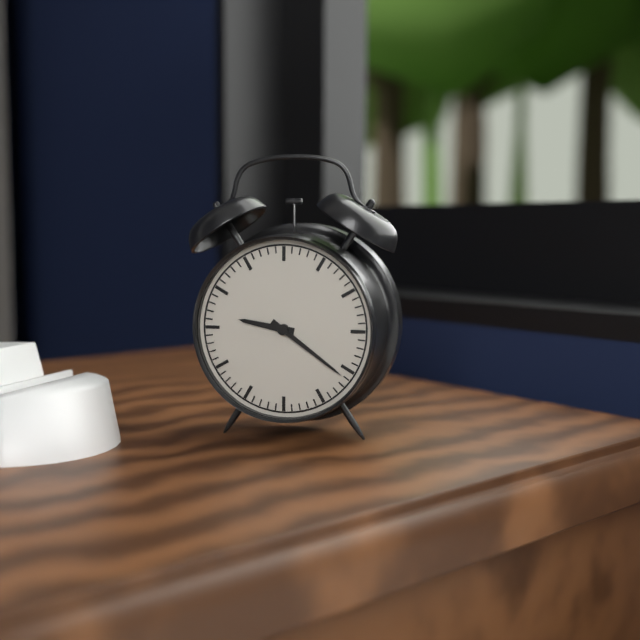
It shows 9,21
